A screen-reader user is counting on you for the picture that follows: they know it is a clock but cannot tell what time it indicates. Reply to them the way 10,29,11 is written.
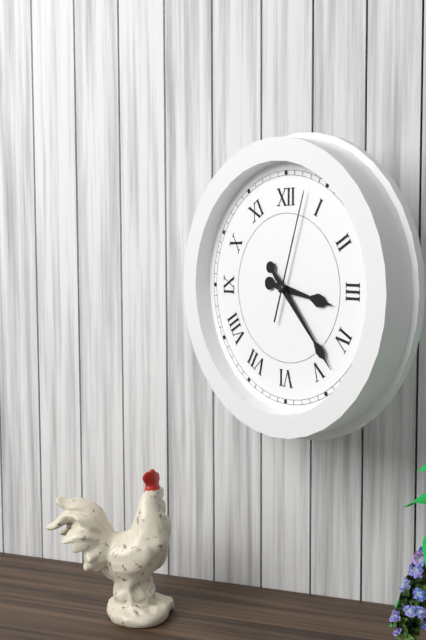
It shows 3,23,03
